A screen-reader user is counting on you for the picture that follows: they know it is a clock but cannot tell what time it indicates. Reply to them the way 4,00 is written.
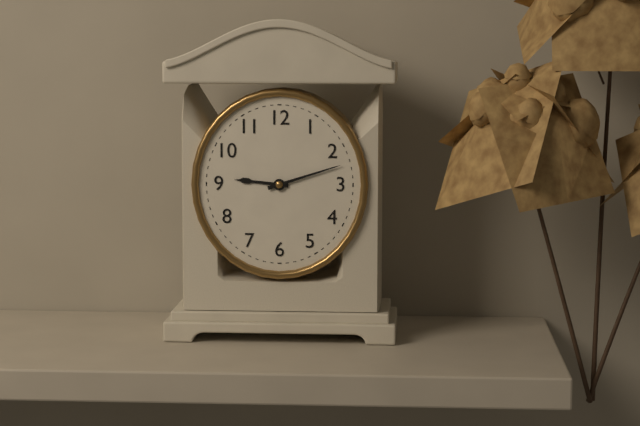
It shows 9,12
